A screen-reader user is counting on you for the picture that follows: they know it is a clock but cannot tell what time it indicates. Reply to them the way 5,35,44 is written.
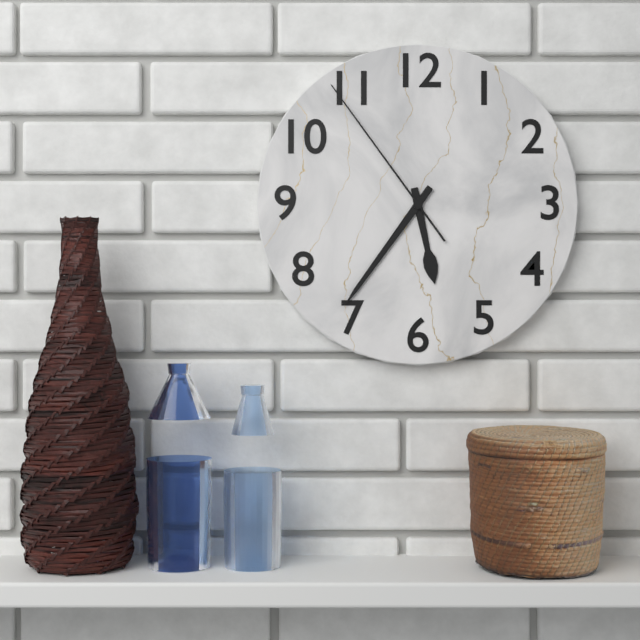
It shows 5,36,54
